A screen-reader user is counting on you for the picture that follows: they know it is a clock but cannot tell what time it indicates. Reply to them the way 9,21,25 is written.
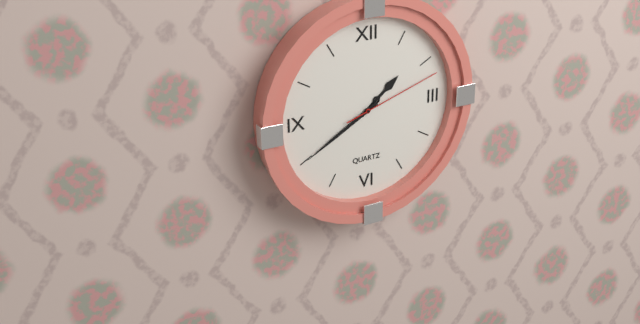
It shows 1,40,12
